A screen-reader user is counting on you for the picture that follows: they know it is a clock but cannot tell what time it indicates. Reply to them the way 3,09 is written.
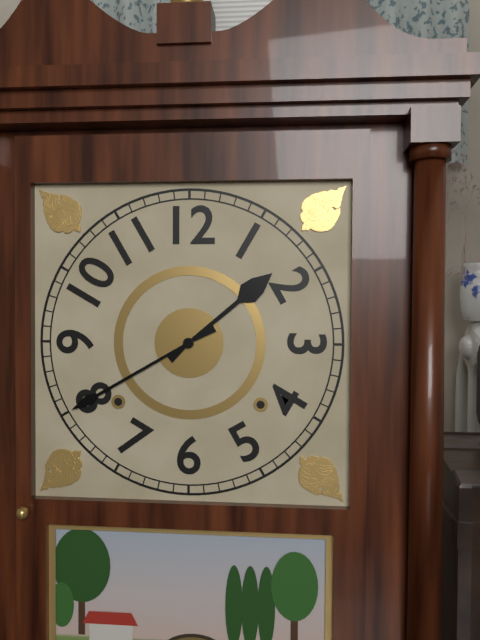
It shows 1,40
